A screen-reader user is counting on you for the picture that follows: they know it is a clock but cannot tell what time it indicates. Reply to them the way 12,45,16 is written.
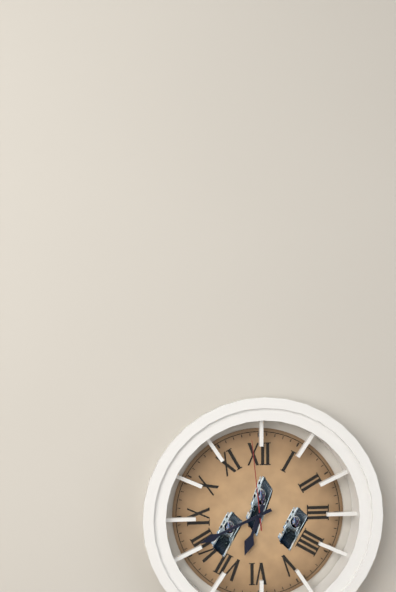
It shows 6,41,59
